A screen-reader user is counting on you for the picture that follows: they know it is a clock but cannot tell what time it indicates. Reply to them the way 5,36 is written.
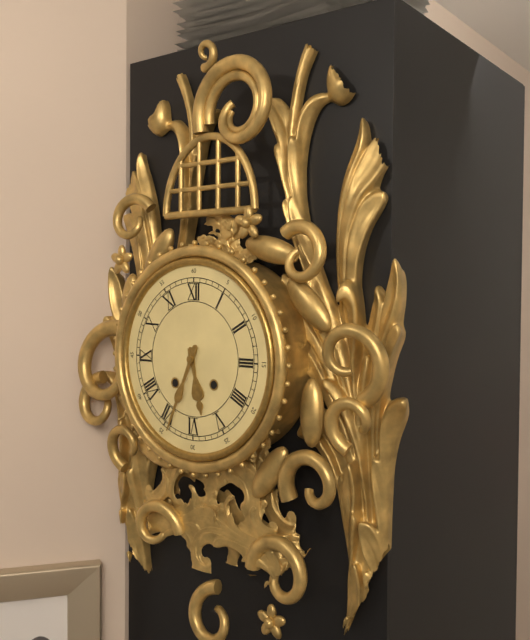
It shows 5,34
